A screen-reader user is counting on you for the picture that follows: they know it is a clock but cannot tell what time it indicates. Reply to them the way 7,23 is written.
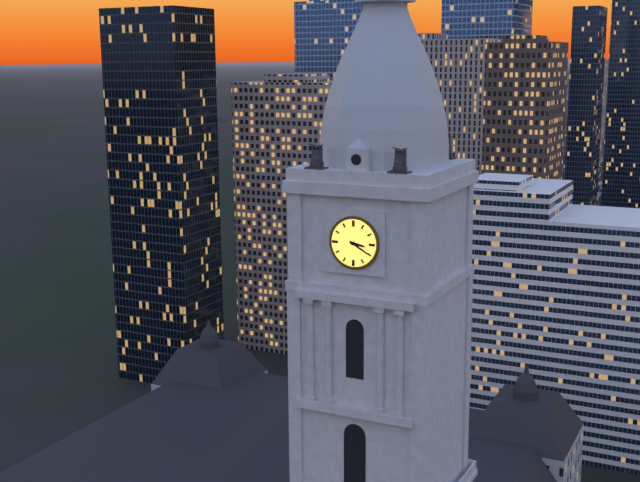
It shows 3,20
